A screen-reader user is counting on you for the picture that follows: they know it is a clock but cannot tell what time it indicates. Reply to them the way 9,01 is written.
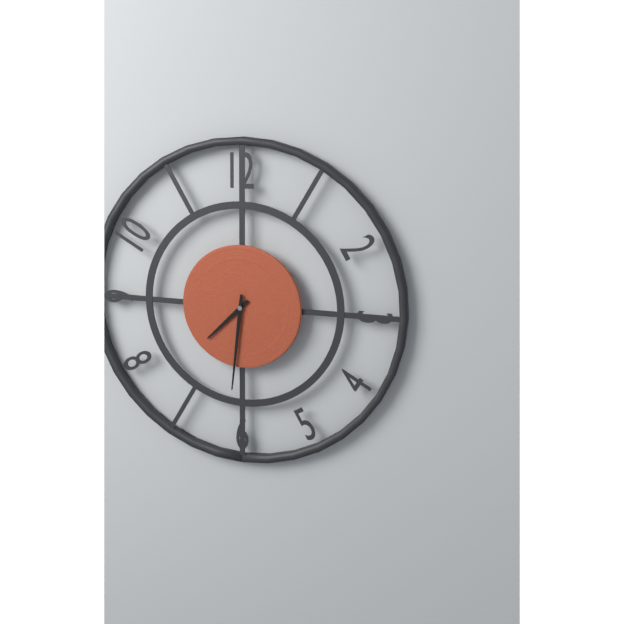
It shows 7,31
